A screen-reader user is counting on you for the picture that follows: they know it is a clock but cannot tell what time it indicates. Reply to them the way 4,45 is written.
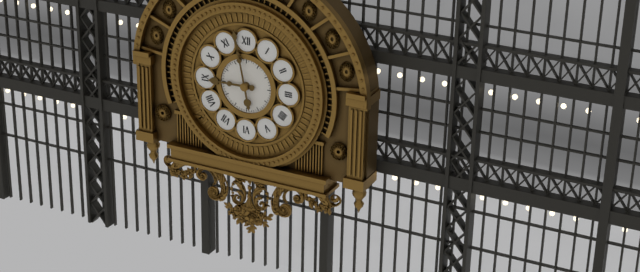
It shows 8,58
